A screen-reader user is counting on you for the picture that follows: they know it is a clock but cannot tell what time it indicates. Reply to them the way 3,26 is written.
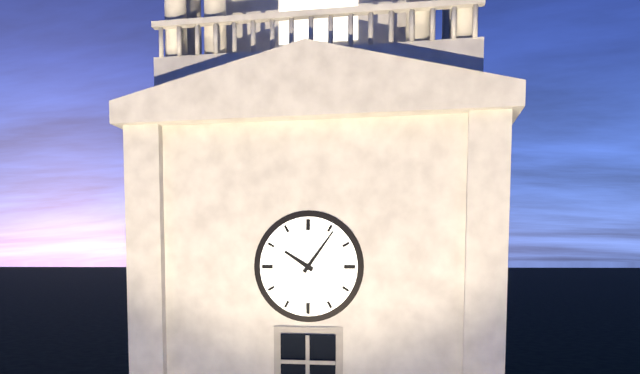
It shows 10,06
